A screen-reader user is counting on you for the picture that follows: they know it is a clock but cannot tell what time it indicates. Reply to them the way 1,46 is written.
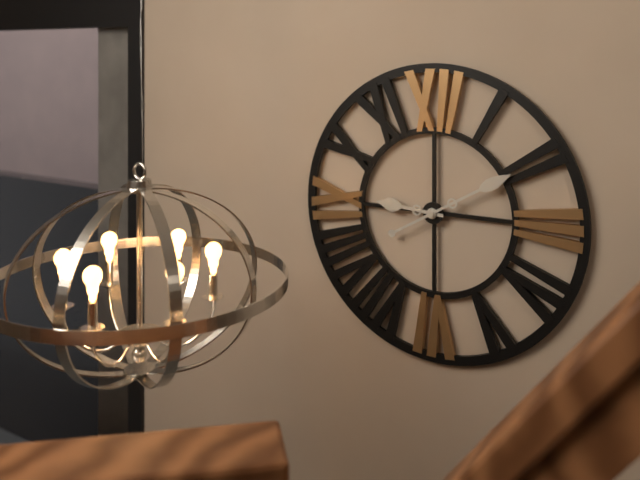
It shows 9,10
